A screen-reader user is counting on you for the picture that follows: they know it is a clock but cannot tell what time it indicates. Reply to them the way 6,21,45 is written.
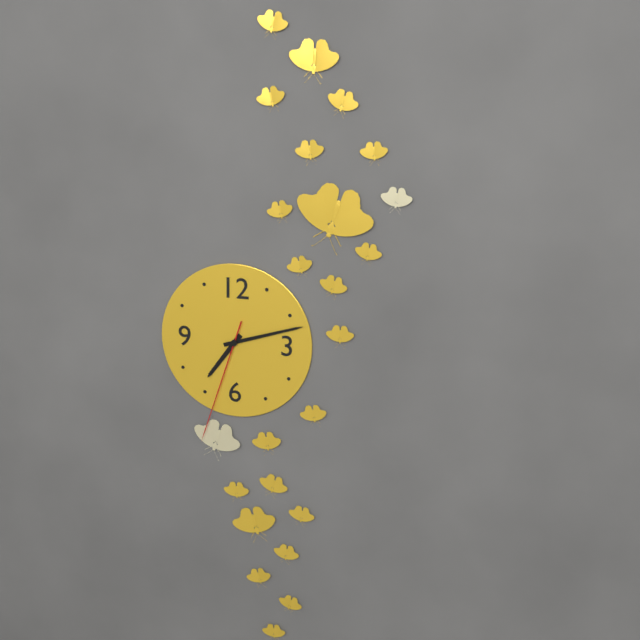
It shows 7,12,33
